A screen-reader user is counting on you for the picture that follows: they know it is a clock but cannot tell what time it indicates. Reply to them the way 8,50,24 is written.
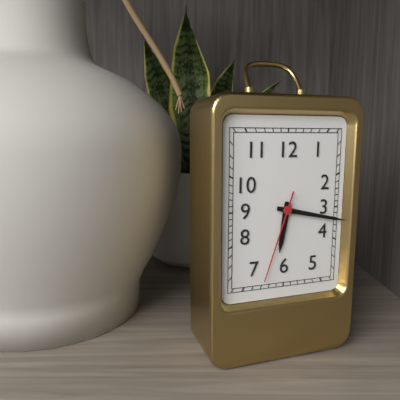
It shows 6,17,33
